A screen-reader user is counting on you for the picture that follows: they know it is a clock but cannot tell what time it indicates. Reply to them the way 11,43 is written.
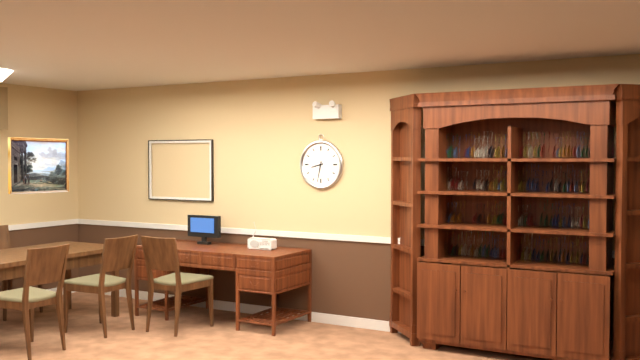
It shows 8,32
